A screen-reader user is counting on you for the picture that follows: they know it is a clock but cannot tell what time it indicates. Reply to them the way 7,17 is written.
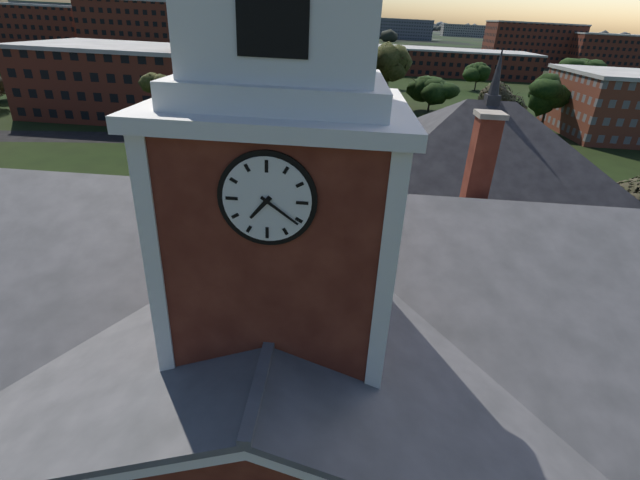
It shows 7,21
